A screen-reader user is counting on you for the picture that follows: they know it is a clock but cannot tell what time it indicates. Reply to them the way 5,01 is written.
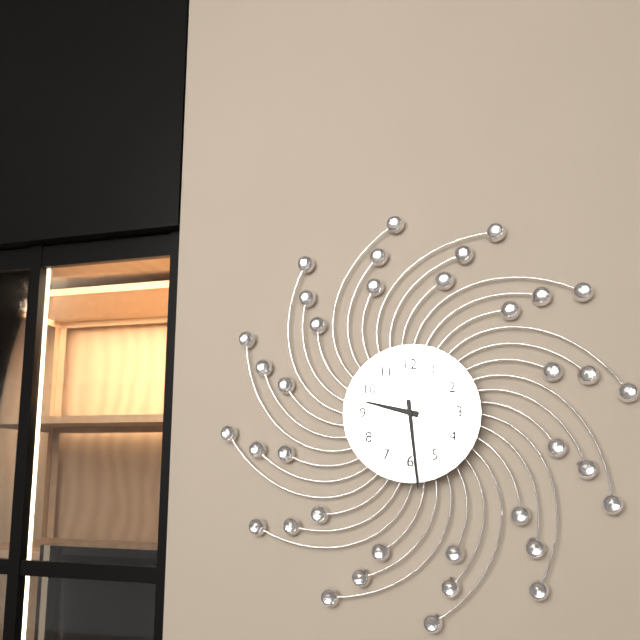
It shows 9,29
